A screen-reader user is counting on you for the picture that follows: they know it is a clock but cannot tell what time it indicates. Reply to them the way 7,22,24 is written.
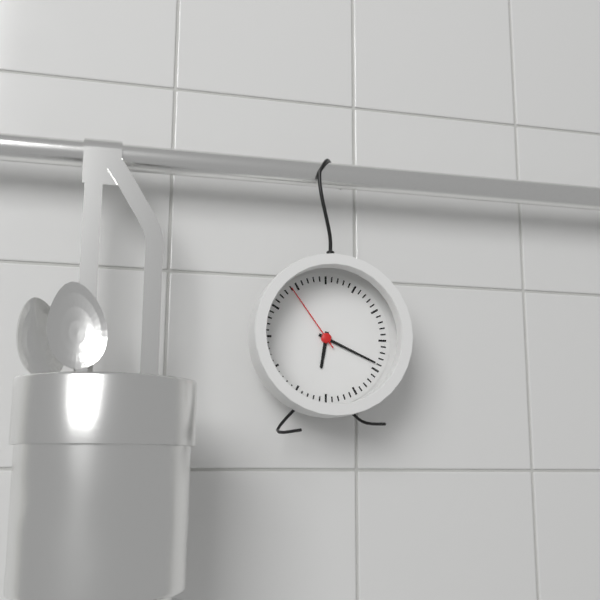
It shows 6,19,54
